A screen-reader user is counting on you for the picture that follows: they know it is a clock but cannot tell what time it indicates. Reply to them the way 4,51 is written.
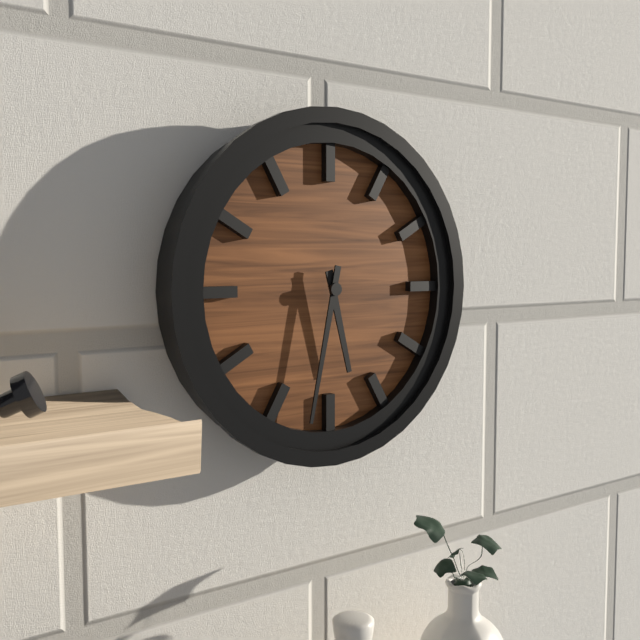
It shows 5,32
